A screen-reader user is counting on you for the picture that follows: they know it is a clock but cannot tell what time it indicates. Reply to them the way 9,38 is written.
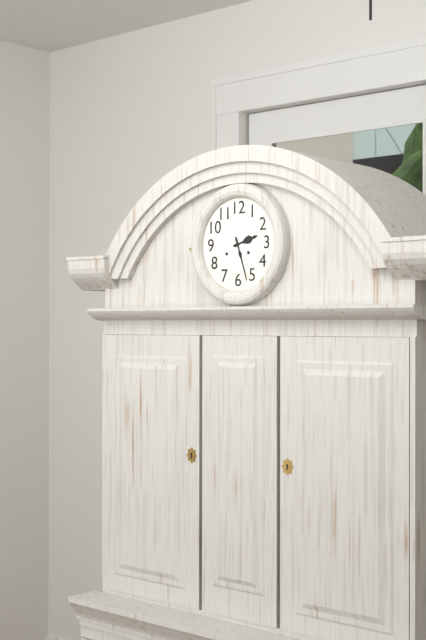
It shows 2,27
